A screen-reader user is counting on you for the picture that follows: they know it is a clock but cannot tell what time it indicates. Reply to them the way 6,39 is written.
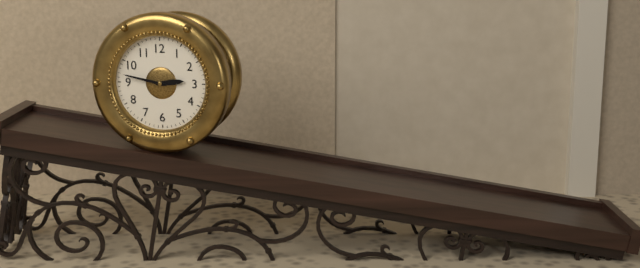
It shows 2,47
